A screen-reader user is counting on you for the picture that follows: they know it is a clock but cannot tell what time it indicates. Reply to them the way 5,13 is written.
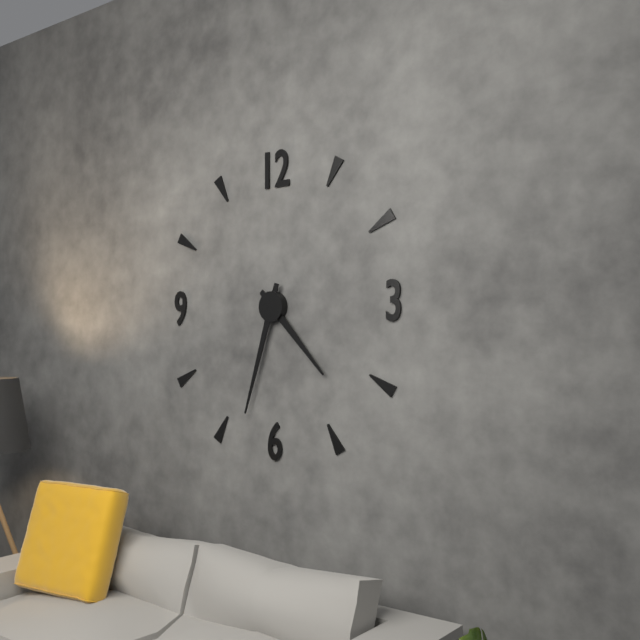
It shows 4,33
